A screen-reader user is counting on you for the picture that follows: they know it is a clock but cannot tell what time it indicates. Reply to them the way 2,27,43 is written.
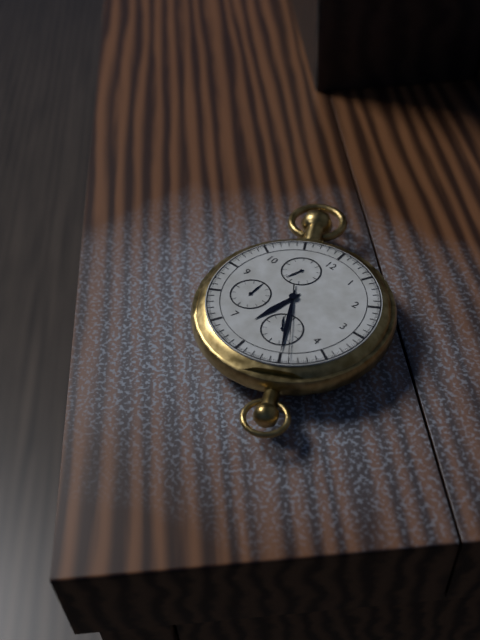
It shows 6,25,24
